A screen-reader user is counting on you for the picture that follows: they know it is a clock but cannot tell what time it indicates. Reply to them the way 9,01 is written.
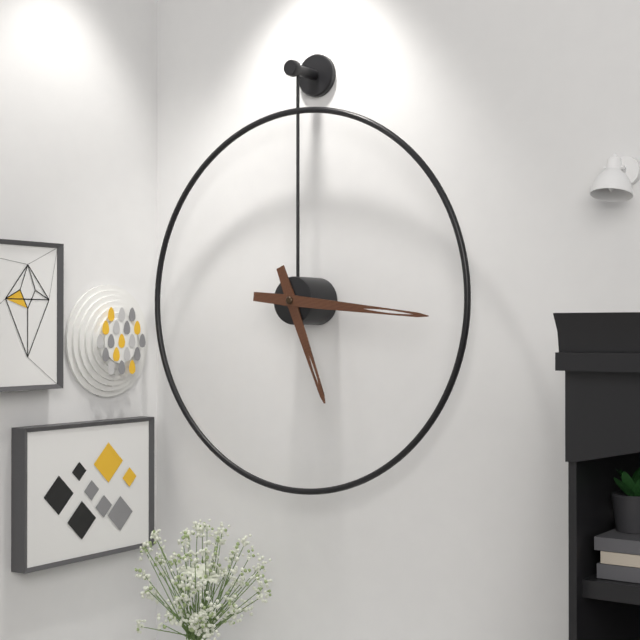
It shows 5,16
